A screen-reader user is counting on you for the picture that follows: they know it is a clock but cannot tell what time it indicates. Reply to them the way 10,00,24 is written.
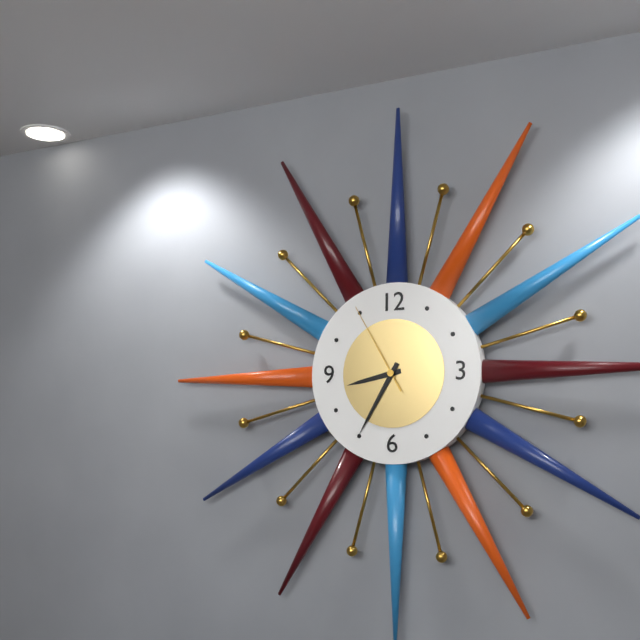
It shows 8,35,55
